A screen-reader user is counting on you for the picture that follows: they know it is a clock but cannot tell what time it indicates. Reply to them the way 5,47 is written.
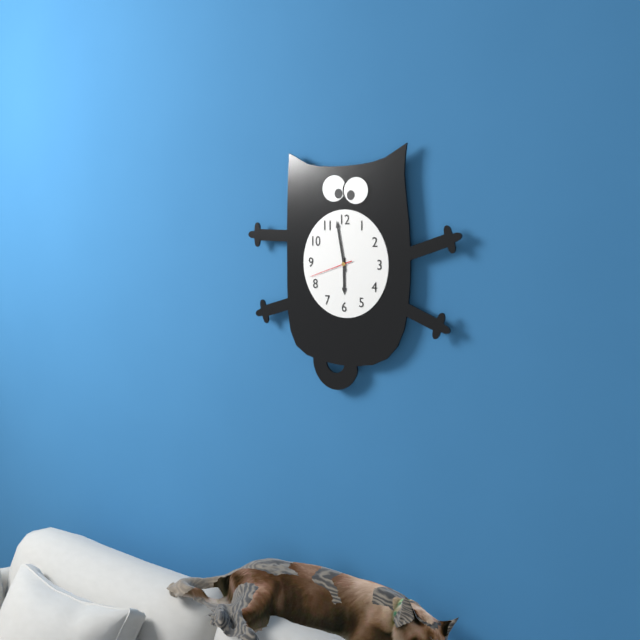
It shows 5,58
